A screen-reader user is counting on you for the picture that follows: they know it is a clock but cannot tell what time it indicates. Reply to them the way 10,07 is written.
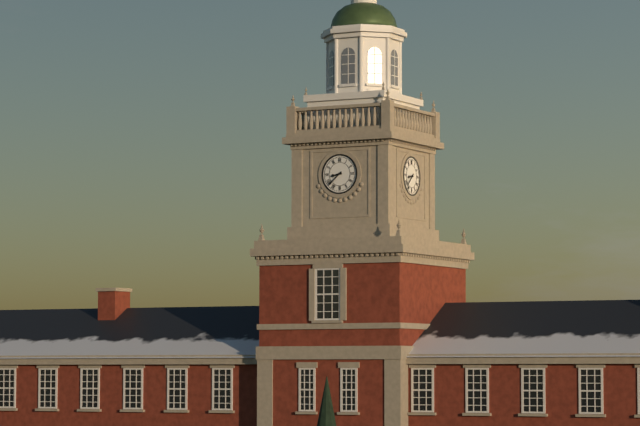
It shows 8,38
